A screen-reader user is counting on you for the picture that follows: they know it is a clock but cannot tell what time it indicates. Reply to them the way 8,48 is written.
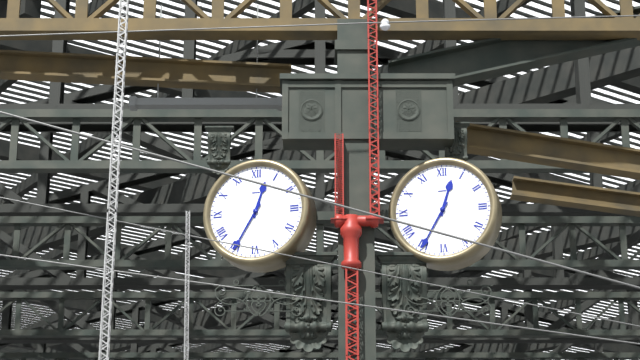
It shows 12,35
